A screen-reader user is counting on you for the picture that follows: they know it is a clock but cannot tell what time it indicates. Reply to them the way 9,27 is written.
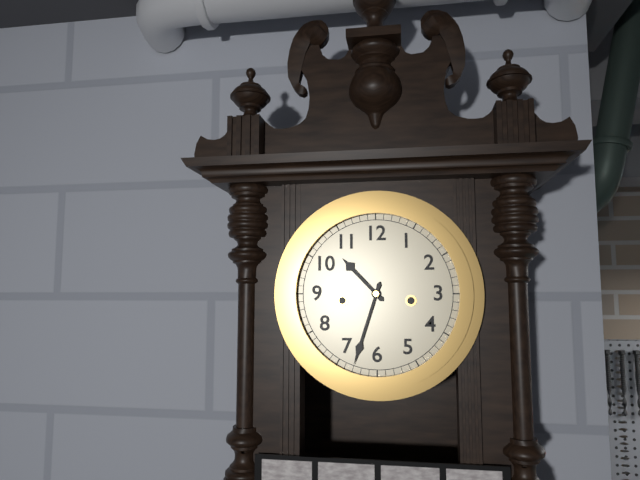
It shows 10,33
